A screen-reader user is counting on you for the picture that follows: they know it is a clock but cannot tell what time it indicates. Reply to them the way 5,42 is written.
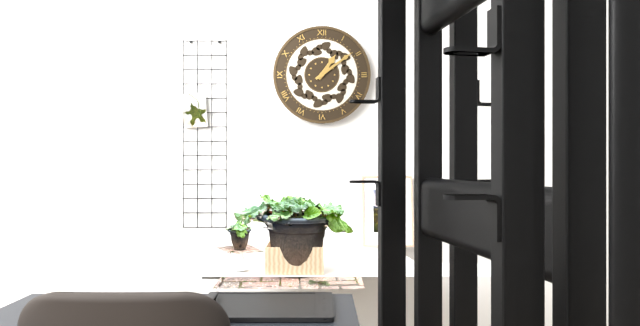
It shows 1,09
